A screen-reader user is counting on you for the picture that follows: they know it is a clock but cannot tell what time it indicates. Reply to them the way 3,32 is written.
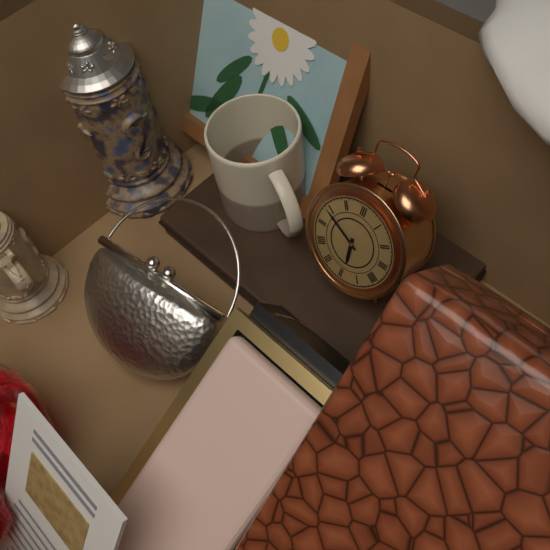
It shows 5,49
